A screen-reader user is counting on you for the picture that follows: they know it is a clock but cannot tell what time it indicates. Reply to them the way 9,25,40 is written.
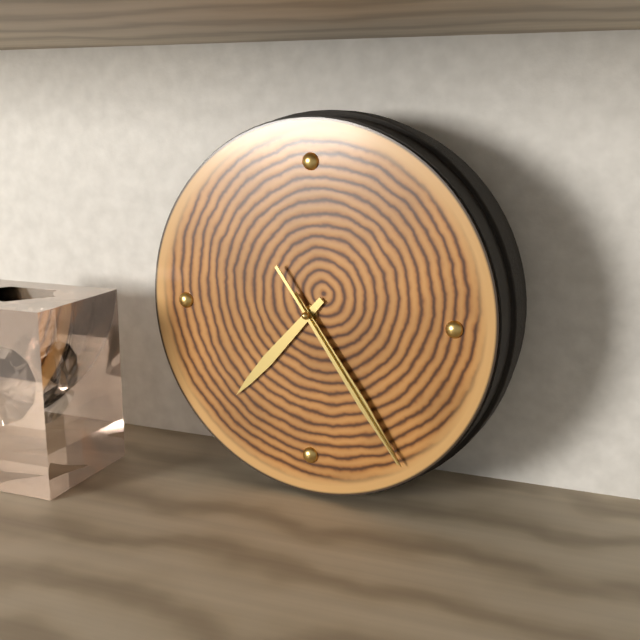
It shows 7,24,24
